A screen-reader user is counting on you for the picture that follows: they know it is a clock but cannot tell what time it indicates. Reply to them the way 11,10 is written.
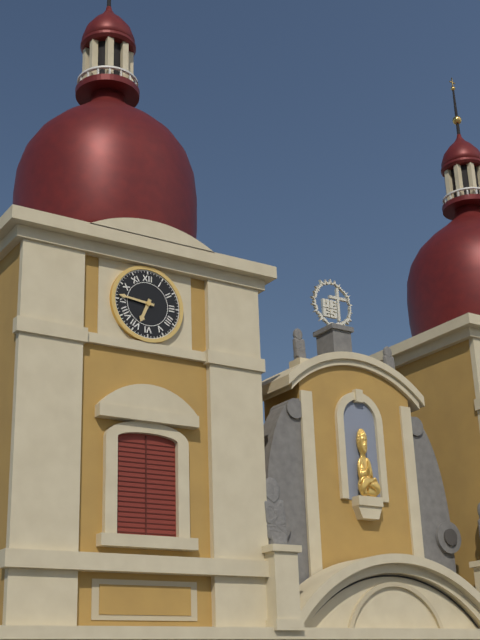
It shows 6,46
